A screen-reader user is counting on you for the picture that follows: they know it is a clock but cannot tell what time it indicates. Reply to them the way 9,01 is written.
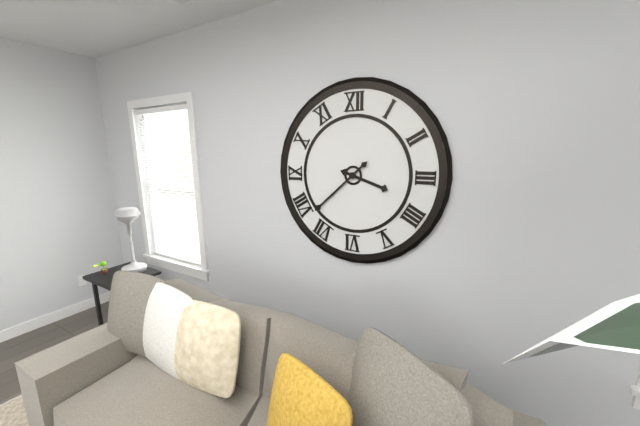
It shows 3,38
